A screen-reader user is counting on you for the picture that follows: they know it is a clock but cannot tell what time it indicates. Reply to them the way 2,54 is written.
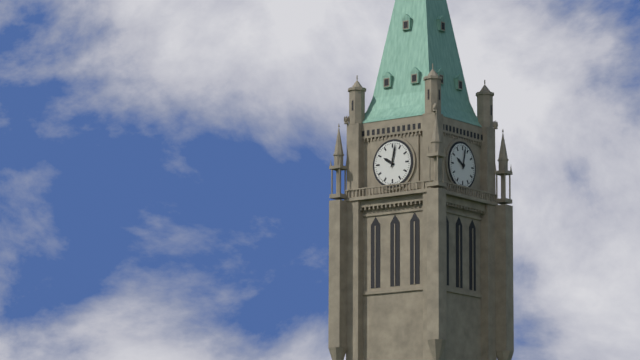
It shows 10,02
